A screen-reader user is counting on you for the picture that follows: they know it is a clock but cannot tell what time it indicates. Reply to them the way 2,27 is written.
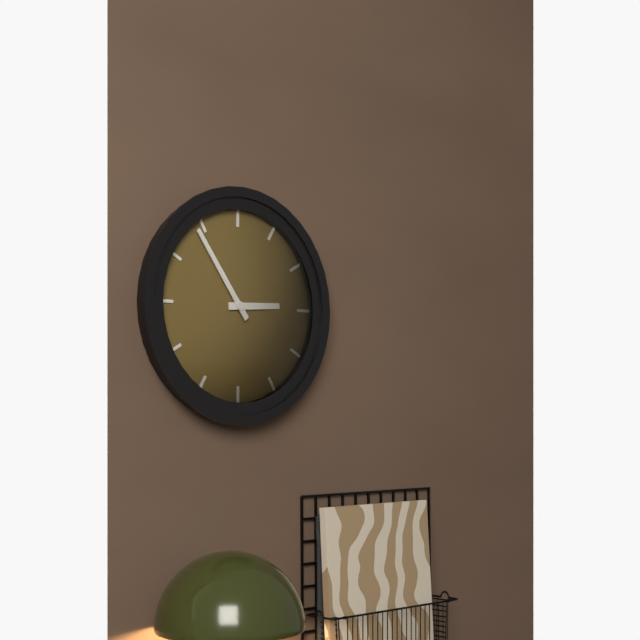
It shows 2,54
